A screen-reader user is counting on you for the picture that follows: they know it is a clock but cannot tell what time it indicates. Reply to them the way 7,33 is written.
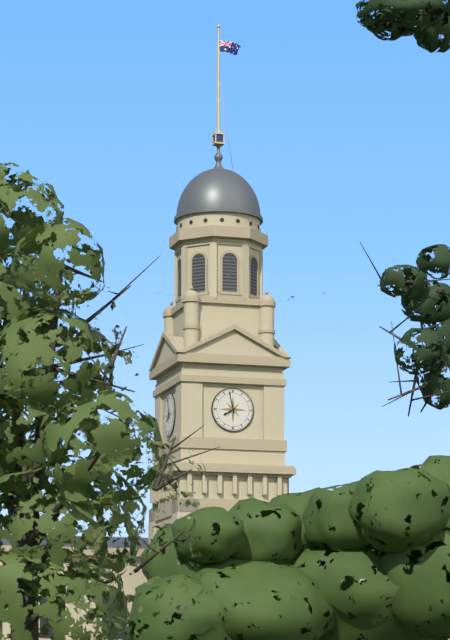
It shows 7,58
